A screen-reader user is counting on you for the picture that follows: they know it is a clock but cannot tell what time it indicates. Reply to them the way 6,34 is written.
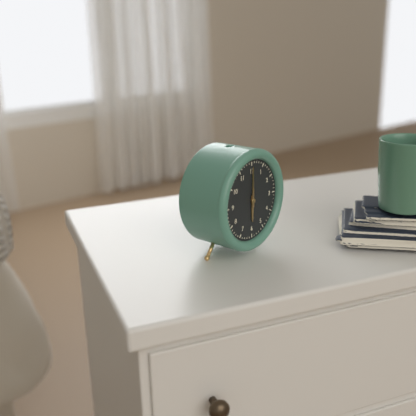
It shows 6,00
